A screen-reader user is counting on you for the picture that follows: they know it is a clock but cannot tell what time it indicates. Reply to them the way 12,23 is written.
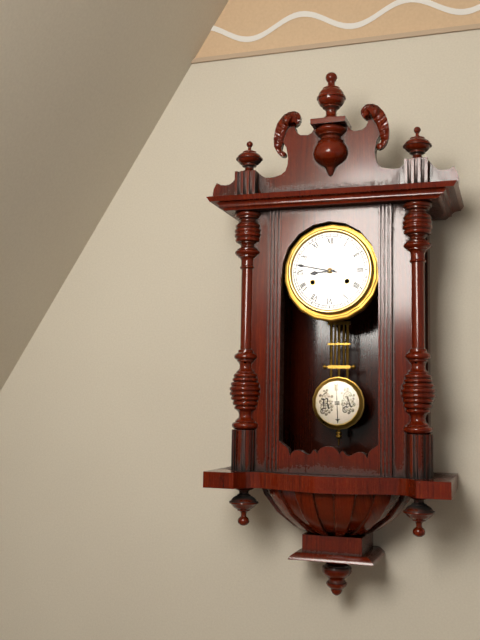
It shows 8,47
